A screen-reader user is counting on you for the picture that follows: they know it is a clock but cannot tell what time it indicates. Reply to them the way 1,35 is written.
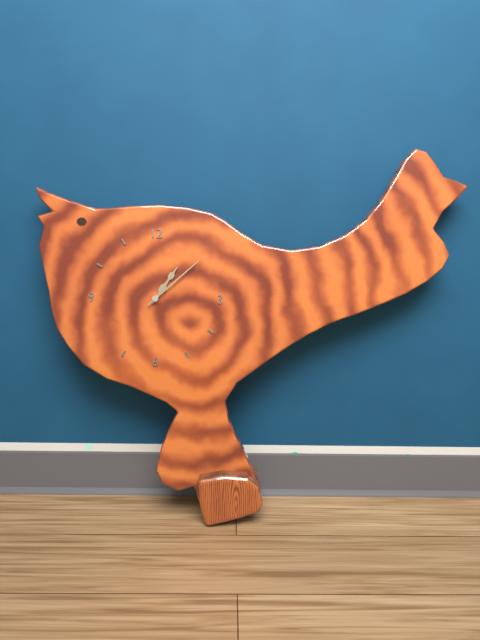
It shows 1,08
